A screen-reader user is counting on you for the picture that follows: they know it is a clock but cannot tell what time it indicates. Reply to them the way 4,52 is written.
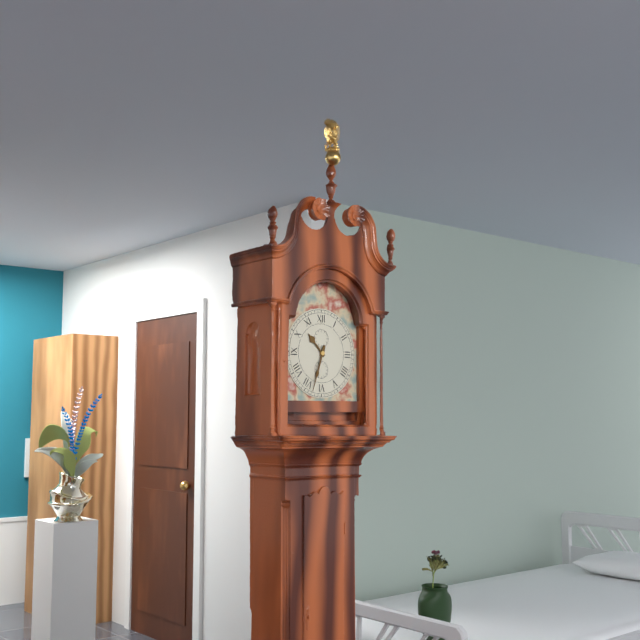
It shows 10,33
